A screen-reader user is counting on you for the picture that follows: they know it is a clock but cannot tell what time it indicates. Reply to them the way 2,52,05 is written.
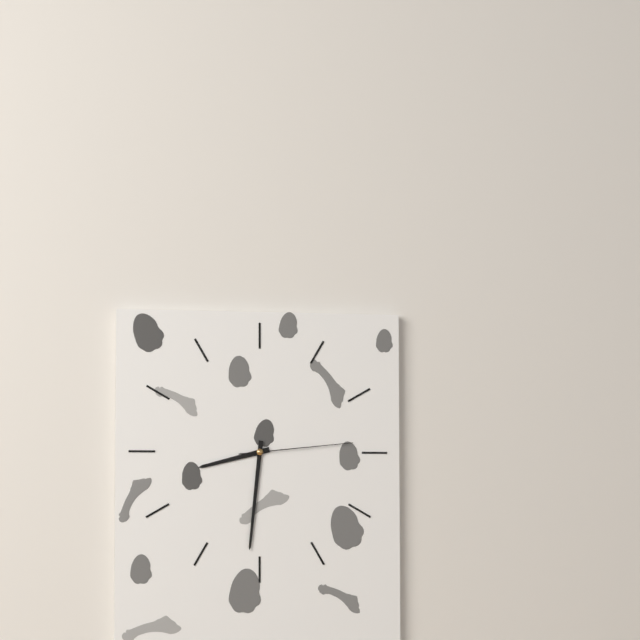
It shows 8,31,14
